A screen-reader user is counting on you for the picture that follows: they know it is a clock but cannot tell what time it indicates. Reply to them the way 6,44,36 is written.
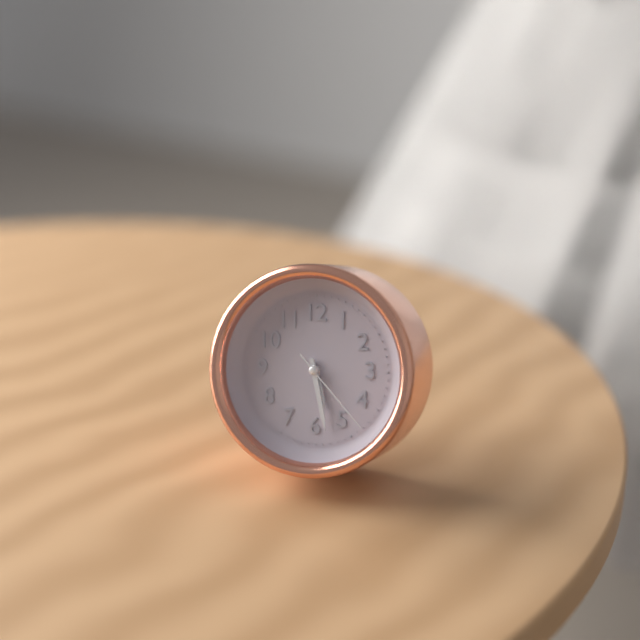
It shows 5,28,23
